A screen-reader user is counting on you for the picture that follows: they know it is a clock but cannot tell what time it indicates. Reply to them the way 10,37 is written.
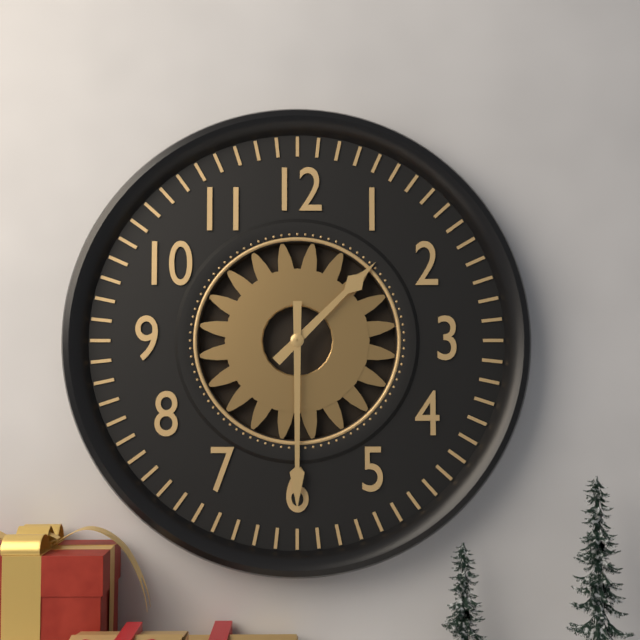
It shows 1,30
